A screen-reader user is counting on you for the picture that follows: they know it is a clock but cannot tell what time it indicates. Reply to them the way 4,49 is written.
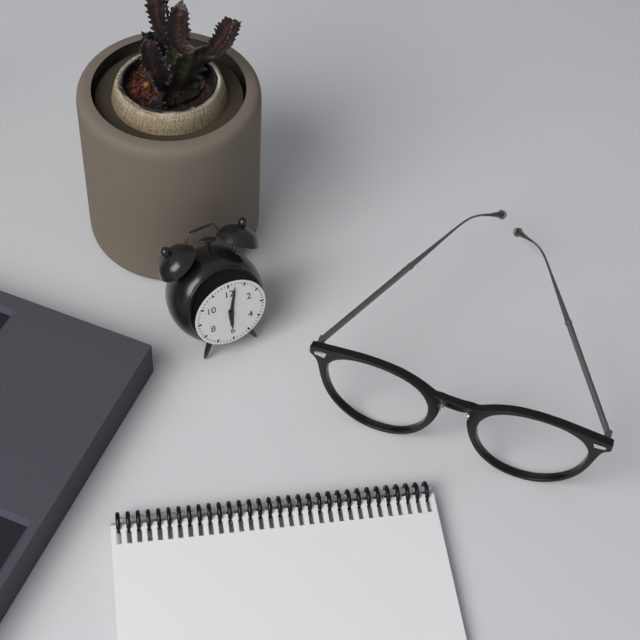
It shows 6,02
